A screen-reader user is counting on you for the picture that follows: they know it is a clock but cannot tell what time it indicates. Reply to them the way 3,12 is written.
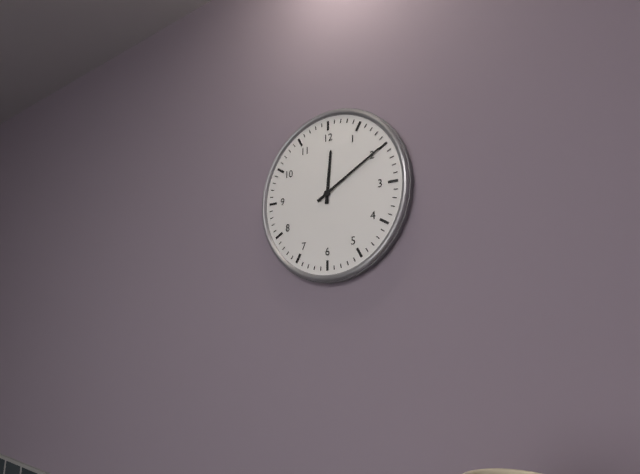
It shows 12,10
